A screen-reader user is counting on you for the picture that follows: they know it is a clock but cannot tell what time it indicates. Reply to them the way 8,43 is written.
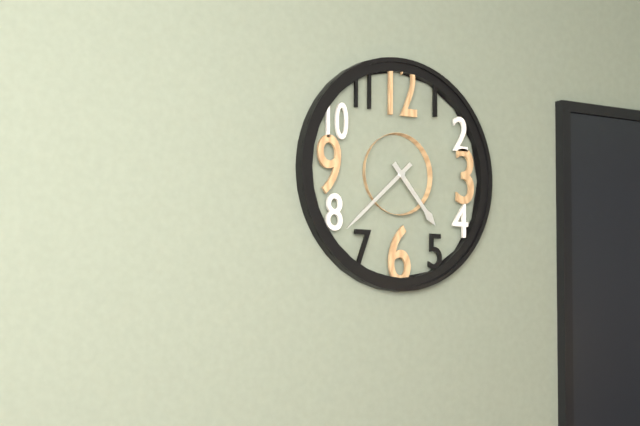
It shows 4,38
